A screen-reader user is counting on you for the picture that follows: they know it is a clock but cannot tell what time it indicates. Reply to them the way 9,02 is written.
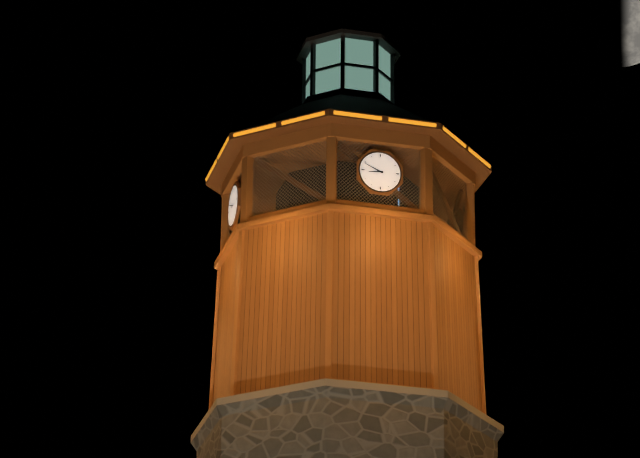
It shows 8,49
